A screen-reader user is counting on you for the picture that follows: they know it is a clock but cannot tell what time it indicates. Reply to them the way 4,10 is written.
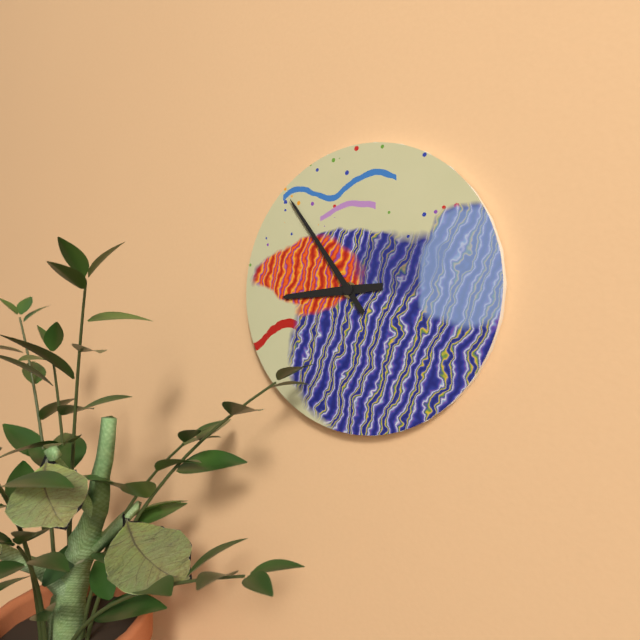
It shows 8,54
